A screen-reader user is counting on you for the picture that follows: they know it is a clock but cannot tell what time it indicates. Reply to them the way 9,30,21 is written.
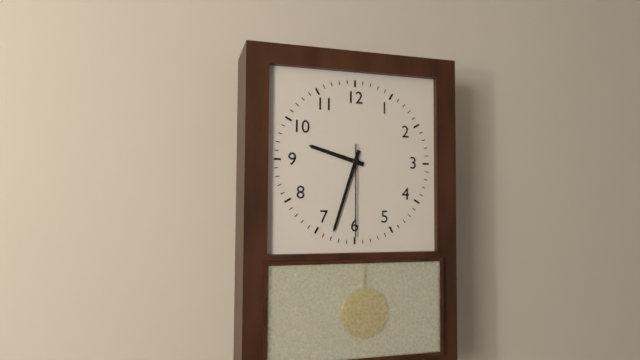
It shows 9,33,30
